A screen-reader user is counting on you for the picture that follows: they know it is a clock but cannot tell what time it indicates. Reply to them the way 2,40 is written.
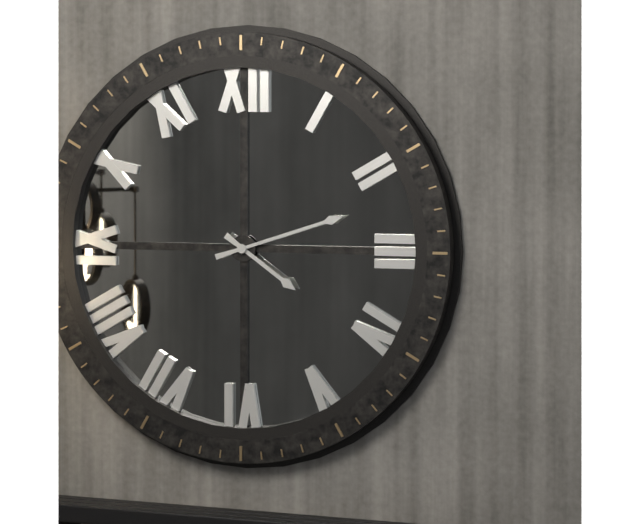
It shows 4,12
